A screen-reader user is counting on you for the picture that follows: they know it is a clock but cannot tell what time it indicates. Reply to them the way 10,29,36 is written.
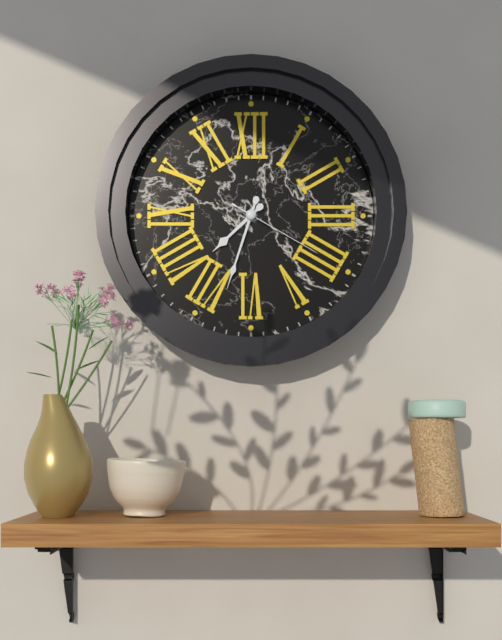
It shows 7,33,20
